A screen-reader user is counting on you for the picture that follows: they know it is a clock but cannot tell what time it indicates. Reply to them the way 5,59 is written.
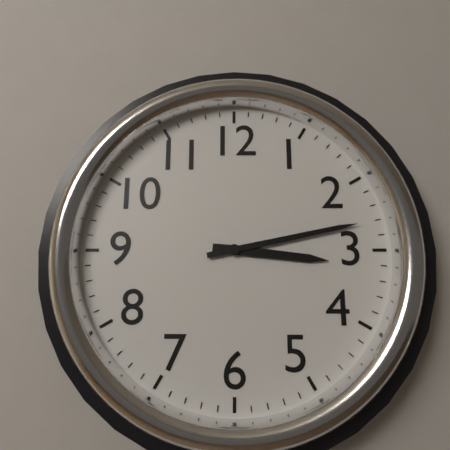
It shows 3,13
